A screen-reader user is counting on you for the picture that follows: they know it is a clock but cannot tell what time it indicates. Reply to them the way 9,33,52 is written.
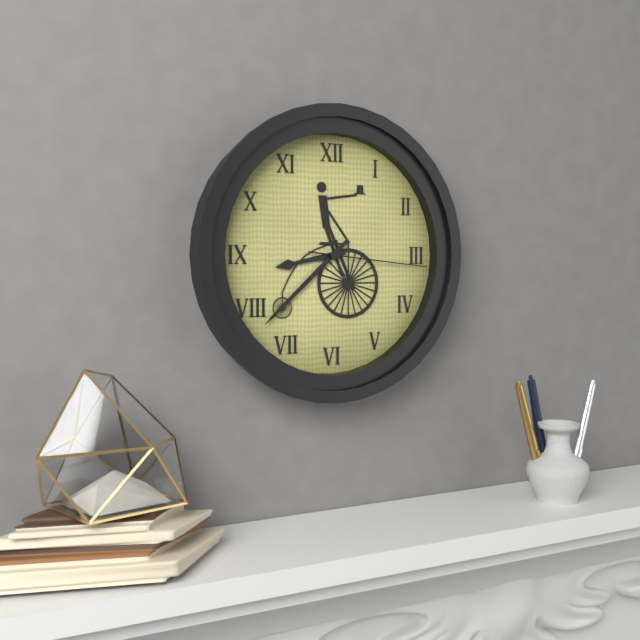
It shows 8,38,16
